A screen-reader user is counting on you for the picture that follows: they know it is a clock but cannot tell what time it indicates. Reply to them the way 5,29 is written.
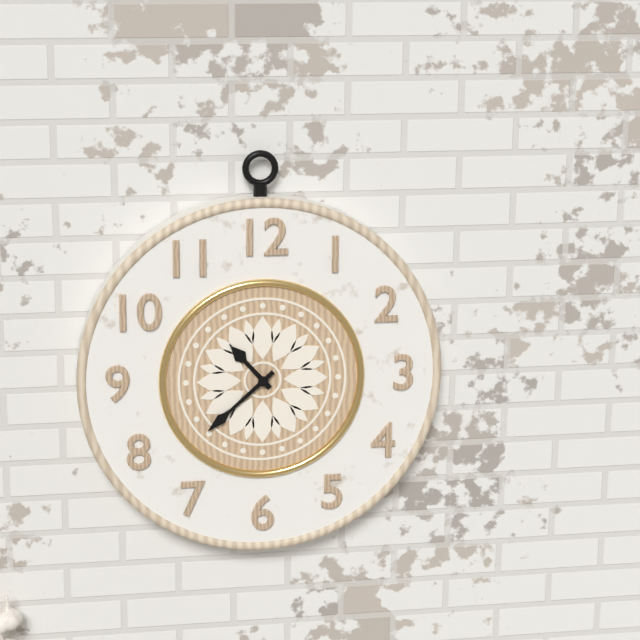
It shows 10,38
